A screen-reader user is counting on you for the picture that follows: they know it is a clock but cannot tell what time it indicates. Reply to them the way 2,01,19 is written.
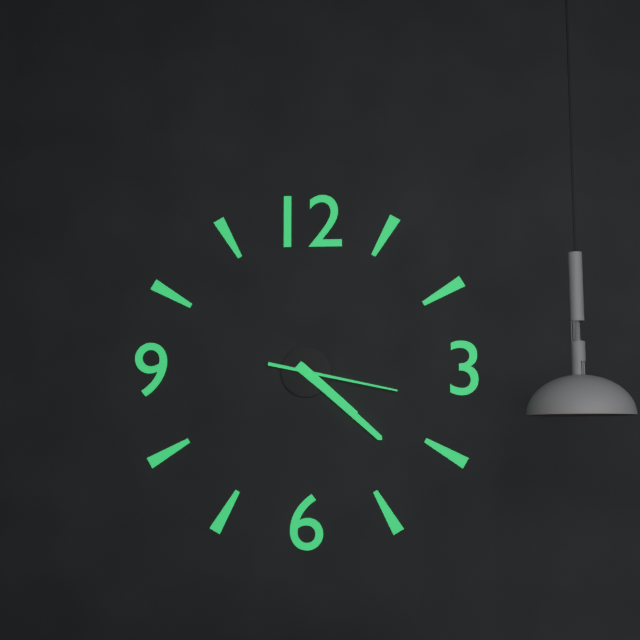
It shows 4,22,17
